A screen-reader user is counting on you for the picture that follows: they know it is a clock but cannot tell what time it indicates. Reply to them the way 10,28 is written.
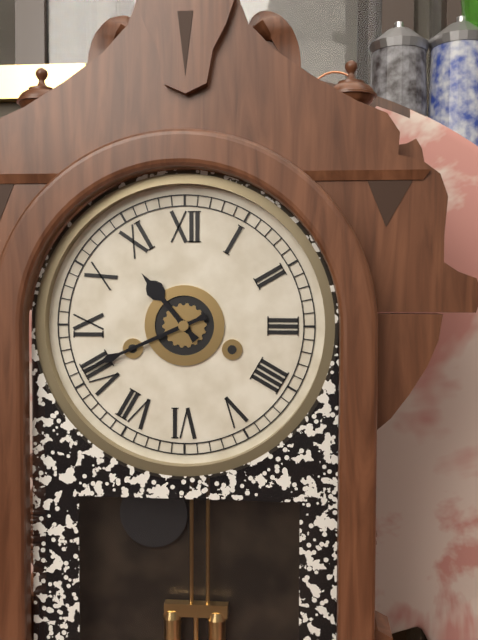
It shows 10,41
